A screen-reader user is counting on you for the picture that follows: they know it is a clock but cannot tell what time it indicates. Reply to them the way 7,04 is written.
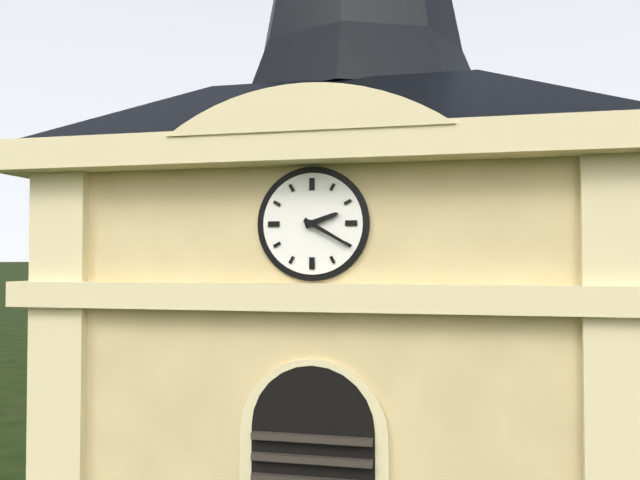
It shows 2,20
